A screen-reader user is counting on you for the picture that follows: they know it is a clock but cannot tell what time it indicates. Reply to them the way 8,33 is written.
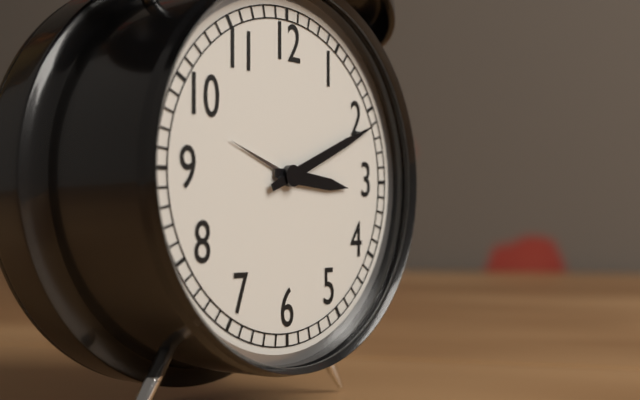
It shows 3,11
